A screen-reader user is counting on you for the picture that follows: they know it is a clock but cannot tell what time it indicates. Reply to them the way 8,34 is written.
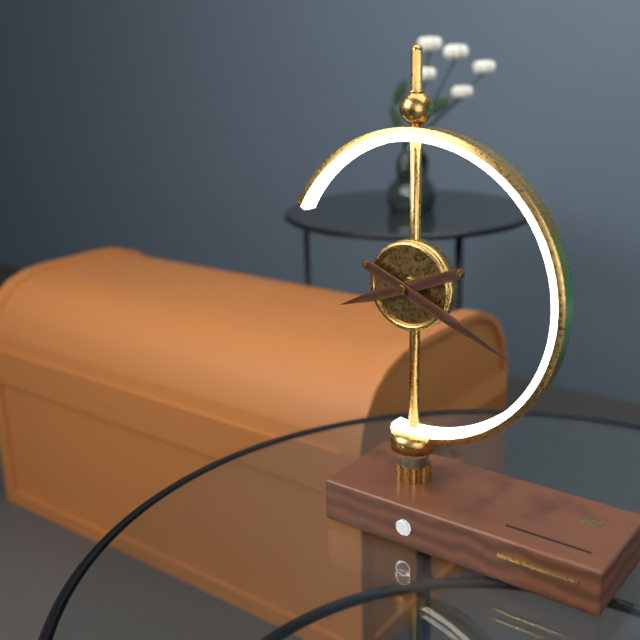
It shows 8,19
